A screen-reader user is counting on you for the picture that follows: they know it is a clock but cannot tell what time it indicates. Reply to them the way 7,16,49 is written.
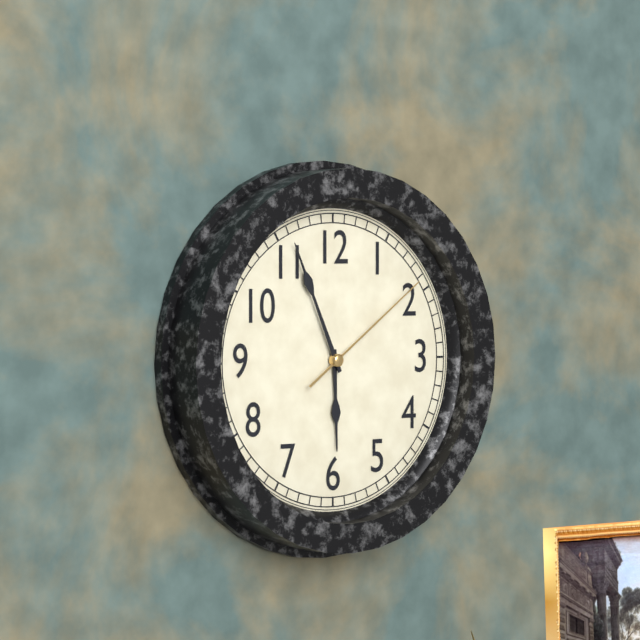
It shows 5,56,09
